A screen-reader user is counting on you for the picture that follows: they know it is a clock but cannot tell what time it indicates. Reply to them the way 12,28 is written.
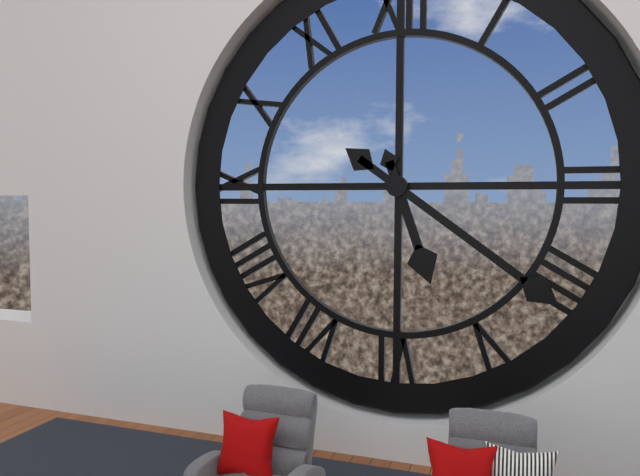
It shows 5,21
